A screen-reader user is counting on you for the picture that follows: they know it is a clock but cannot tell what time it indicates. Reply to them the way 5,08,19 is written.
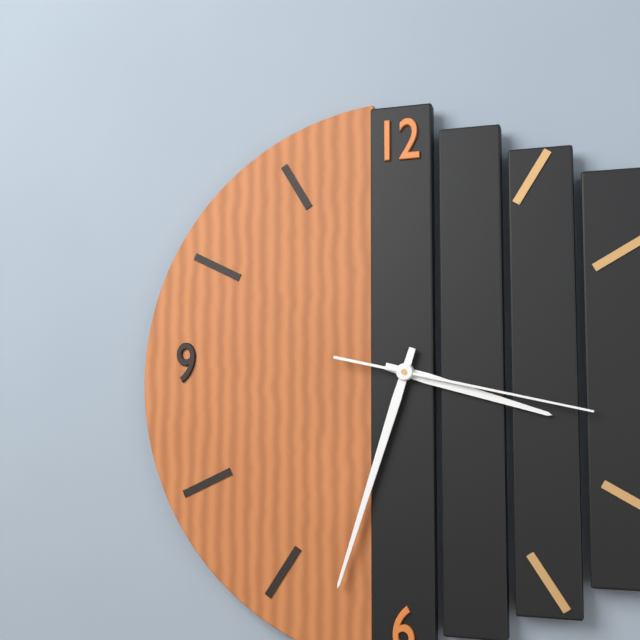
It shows 3,33,17
